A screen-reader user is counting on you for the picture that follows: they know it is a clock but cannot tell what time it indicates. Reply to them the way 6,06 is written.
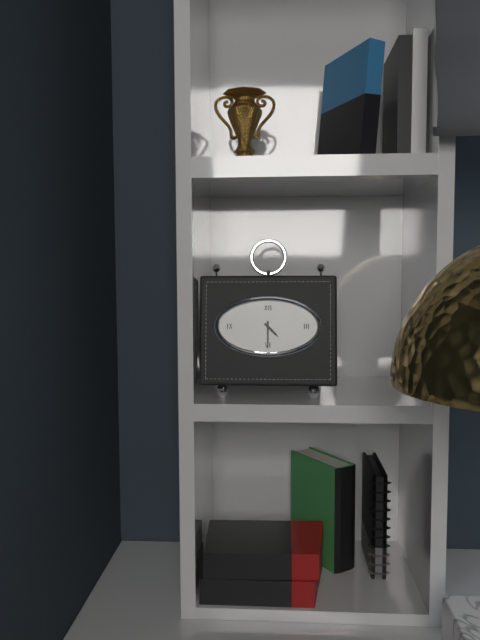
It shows 4,30
